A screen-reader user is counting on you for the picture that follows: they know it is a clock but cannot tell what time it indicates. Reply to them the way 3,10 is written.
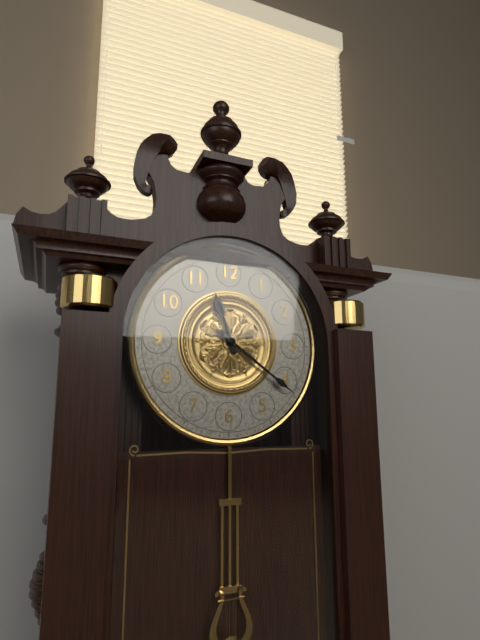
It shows 11,21
